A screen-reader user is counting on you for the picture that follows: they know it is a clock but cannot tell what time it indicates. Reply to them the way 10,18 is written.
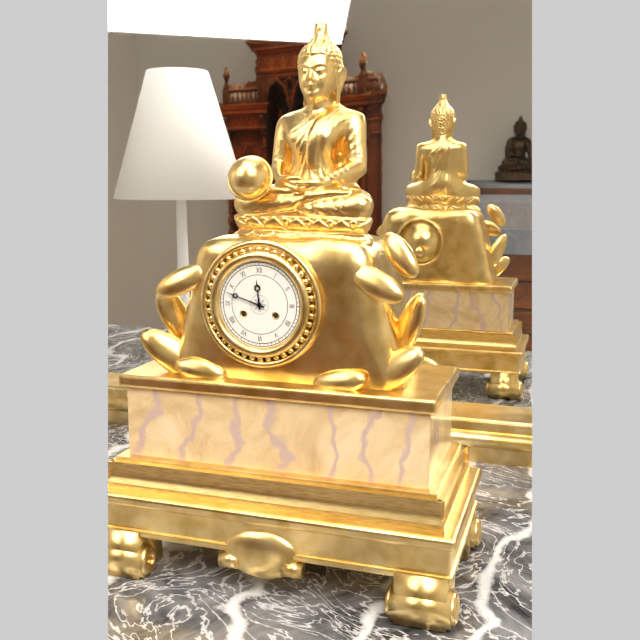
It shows 11,48
